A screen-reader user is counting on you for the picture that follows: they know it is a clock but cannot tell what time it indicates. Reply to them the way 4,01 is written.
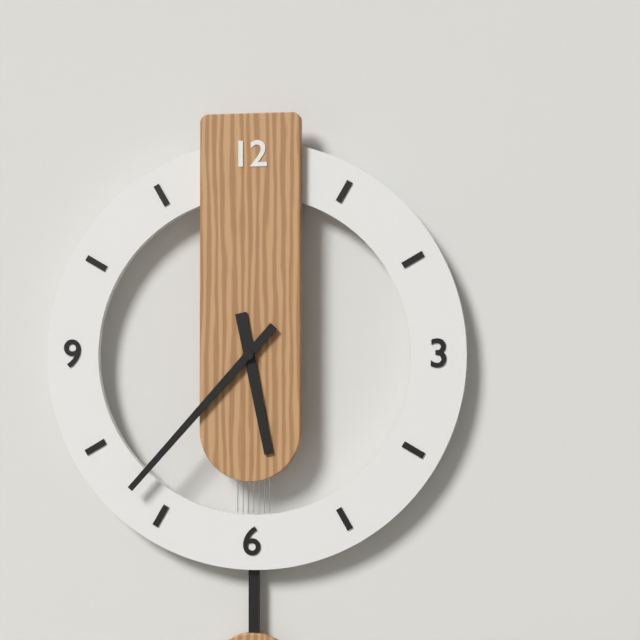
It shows 5,37
